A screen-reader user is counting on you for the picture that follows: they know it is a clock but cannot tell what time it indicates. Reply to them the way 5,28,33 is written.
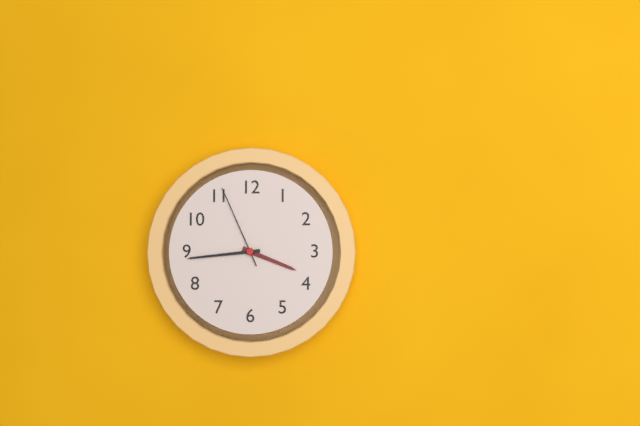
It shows 3,44,56
